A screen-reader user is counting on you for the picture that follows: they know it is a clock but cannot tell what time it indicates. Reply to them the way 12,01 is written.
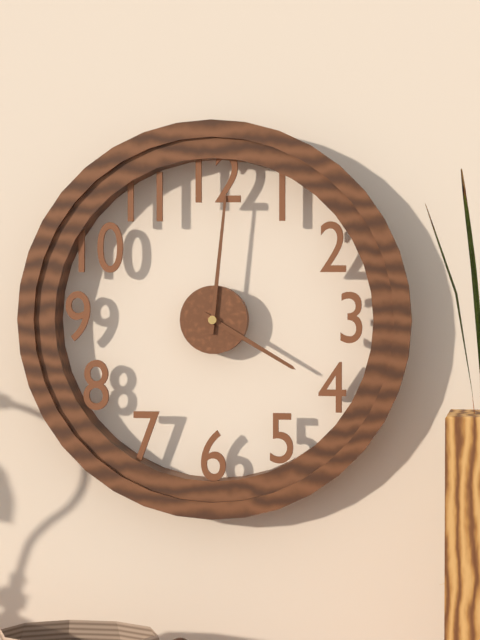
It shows 4,01
